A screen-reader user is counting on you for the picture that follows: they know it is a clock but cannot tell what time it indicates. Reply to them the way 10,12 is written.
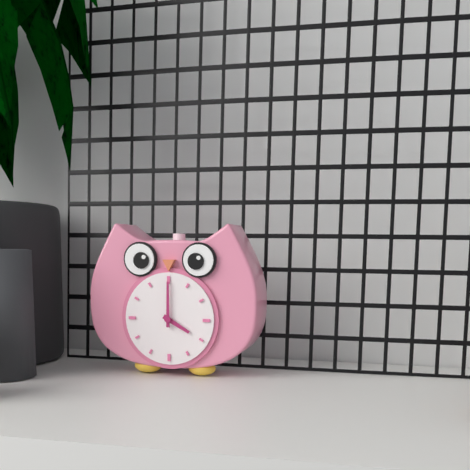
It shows 4,00
